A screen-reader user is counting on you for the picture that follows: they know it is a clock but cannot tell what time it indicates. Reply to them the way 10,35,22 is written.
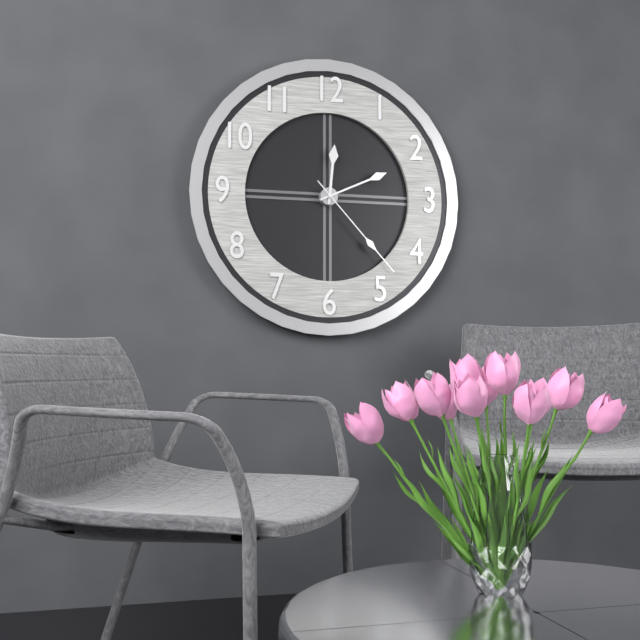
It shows 12,11,23
